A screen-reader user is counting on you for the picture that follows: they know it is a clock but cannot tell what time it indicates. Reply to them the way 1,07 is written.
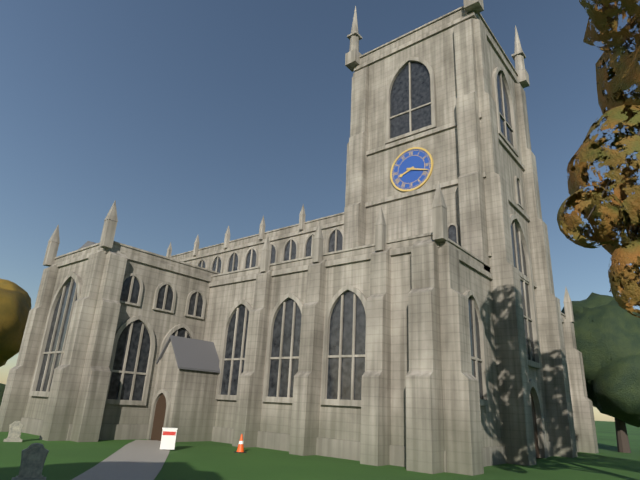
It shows 8,18
